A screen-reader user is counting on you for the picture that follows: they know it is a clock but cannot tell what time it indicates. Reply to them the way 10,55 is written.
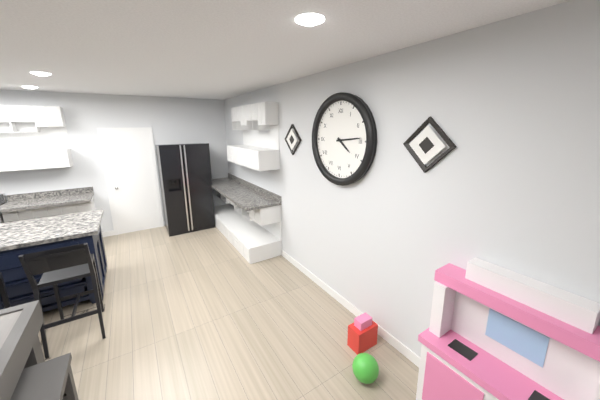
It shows 4,14
